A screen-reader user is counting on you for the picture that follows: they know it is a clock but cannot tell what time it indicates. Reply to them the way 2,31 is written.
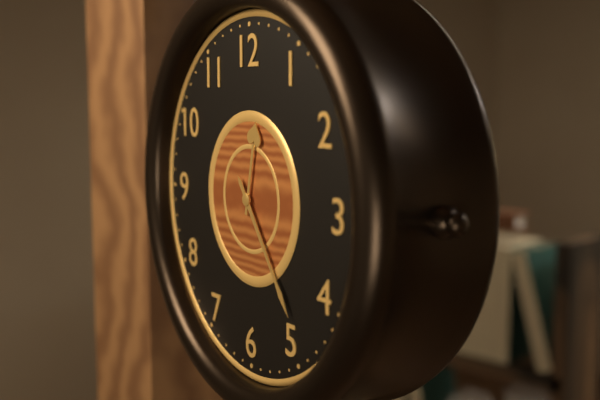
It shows 12,24
